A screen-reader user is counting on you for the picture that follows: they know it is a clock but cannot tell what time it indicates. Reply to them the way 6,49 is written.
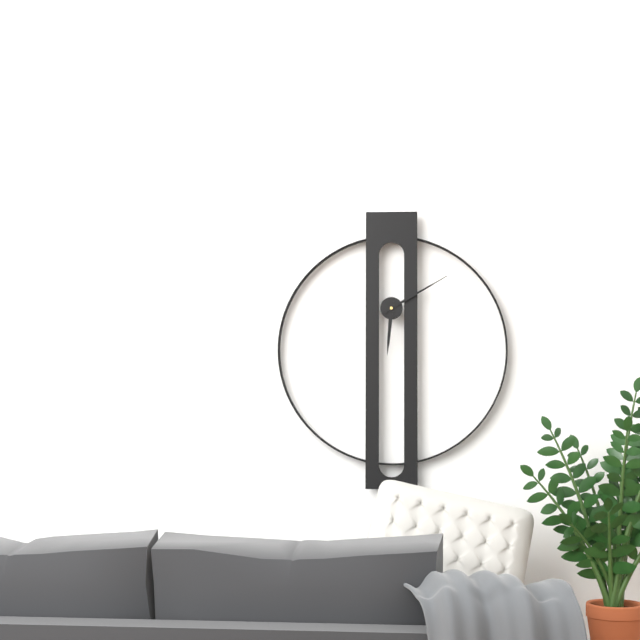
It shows 6,10
